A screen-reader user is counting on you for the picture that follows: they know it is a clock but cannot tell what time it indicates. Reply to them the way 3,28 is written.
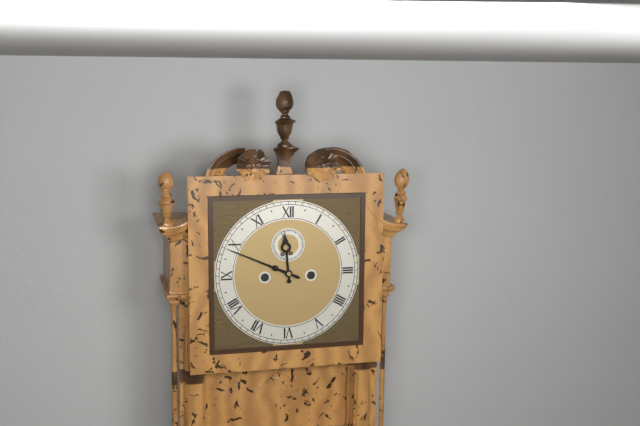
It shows 11,49
